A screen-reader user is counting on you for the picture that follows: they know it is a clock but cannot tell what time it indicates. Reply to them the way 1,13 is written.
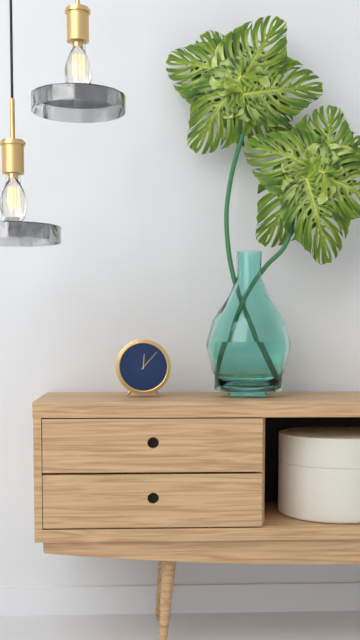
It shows 12,07
